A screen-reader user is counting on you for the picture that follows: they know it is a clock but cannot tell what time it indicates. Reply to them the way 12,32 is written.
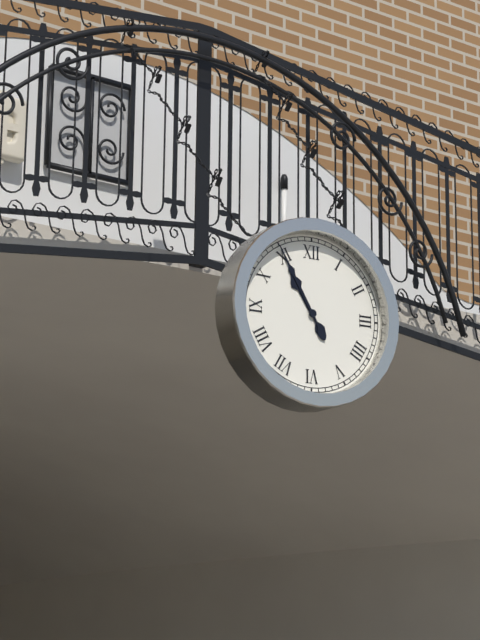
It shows 10,55
